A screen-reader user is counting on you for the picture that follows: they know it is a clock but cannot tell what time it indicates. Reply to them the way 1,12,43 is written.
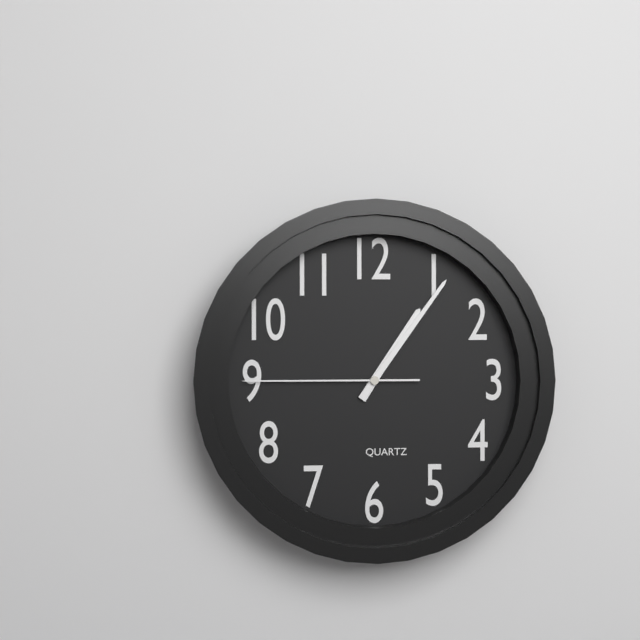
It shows 1,06,45
